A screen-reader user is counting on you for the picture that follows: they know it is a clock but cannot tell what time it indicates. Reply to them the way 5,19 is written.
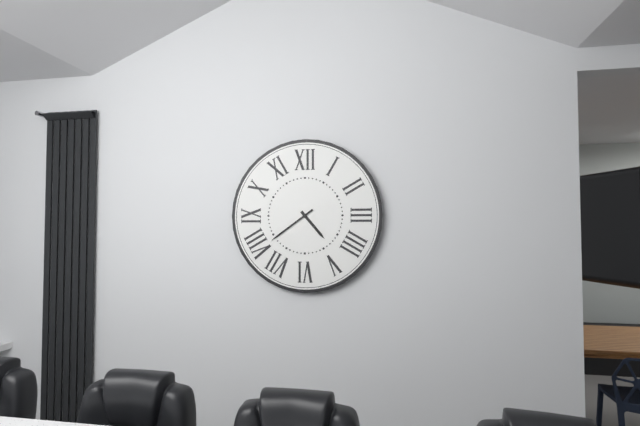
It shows 4,39
